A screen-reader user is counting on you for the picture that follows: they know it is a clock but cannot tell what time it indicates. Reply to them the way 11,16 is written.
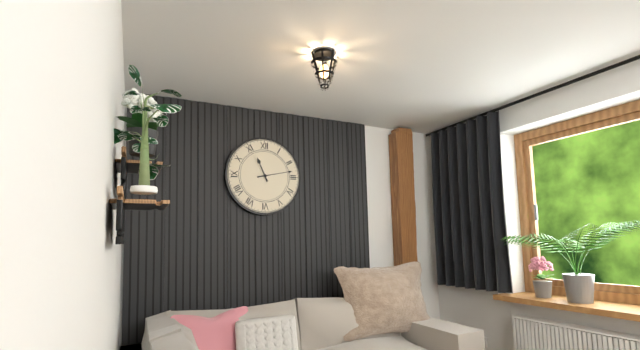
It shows 11,13
